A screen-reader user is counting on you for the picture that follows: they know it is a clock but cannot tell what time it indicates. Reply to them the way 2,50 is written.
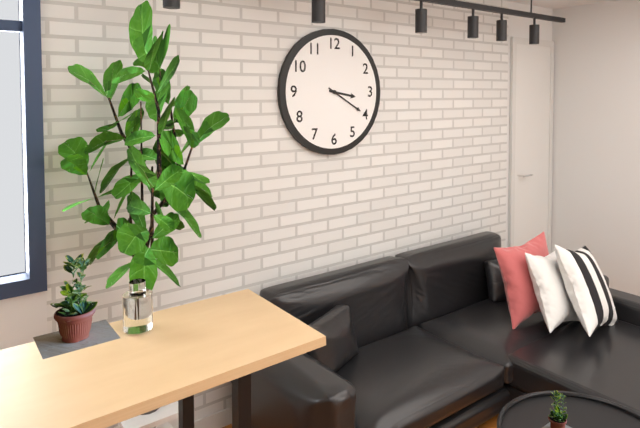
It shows 3,20
